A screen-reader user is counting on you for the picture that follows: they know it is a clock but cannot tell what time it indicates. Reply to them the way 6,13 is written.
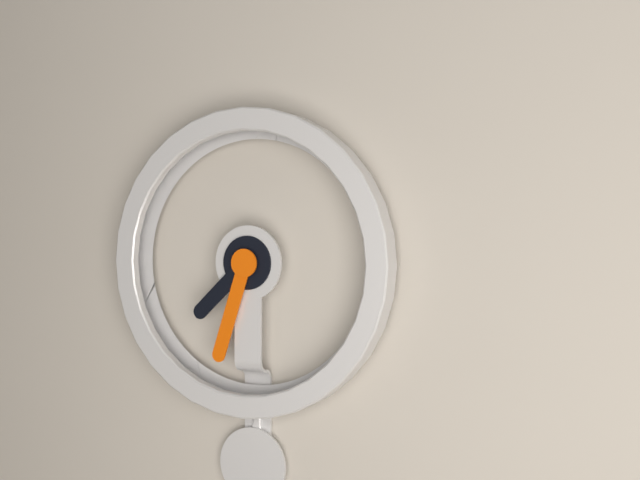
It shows 7,33
